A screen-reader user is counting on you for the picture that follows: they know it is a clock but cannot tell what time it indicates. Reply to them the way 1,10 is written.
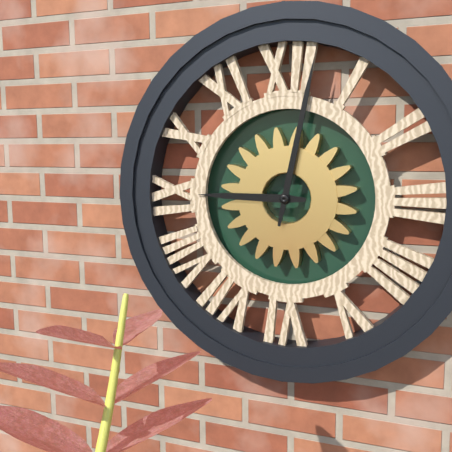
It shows 9,02
